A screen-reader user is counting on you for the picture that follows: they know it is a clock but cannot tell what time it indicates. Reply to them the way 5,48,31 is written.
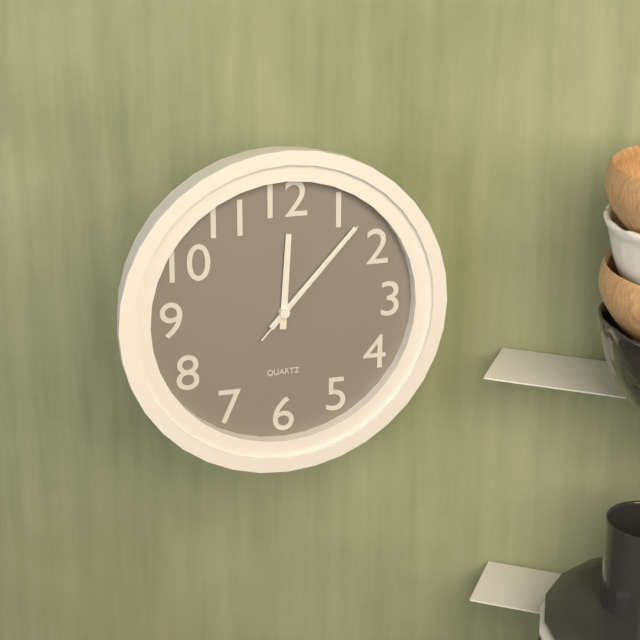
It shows 12,07,07
